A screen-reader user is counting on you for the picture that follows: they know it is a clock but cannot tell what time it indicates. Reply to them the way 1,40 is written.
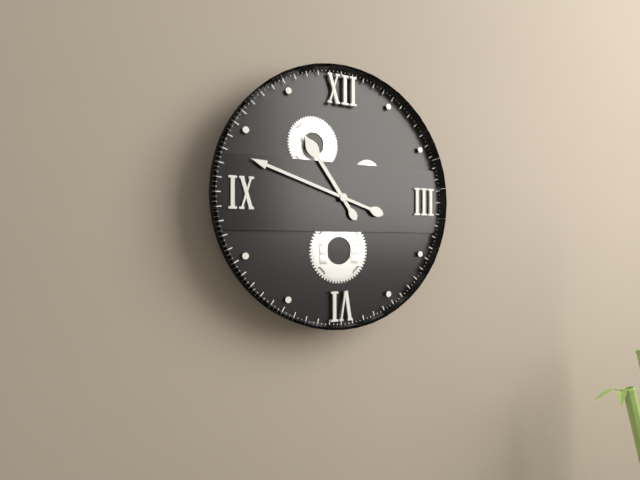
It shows 10,48
